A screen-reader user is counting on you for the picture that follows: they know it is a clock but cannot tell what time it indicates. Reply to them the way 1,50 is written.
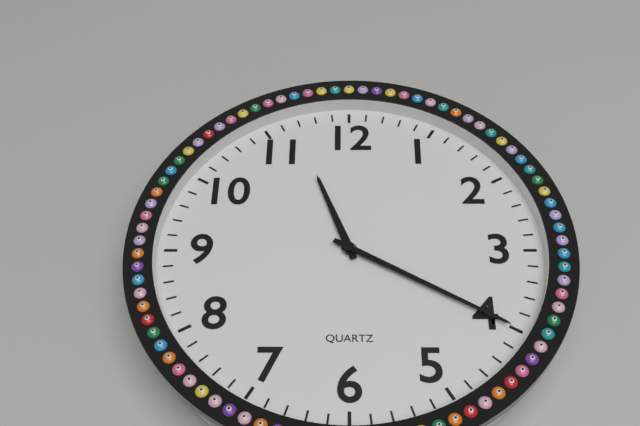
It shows 11,20
